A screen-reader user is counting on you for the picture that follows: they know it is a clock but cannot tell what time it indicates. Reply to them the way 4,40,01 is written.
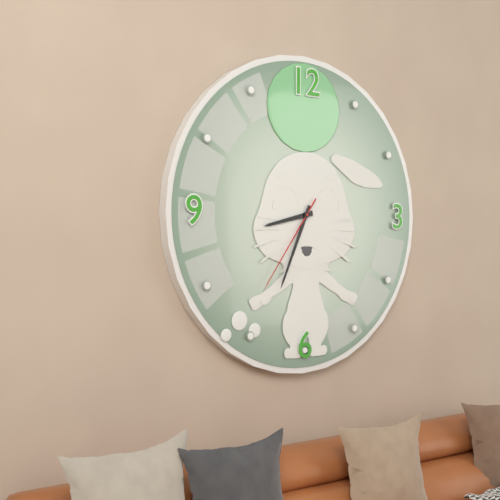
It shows 8,34,36
